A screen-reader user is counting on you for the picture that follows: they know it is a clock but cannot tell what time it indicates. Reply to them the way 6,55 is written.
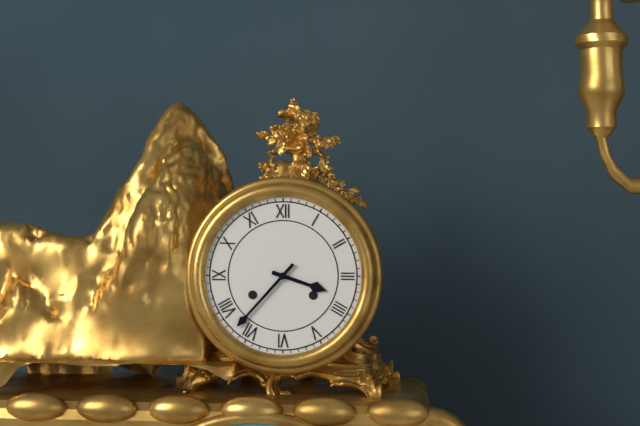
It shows 3,37
